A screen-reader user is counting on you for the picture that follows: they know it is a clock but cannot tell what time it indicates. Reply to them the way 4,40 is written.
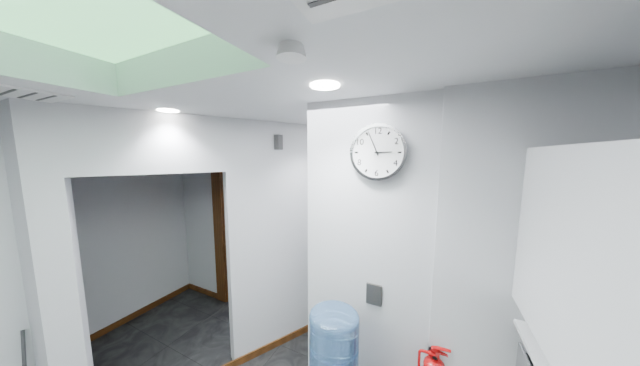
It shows 2,56
